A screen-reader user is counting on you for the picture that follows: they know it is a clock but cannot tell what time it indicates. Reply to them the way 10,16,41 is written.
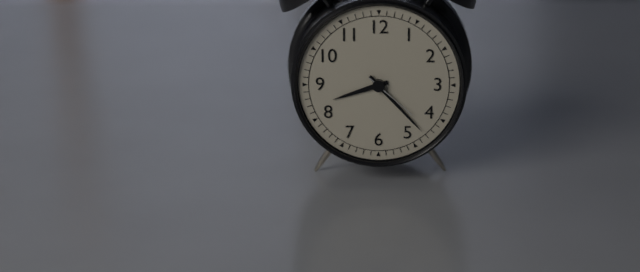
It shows 8,23,22
